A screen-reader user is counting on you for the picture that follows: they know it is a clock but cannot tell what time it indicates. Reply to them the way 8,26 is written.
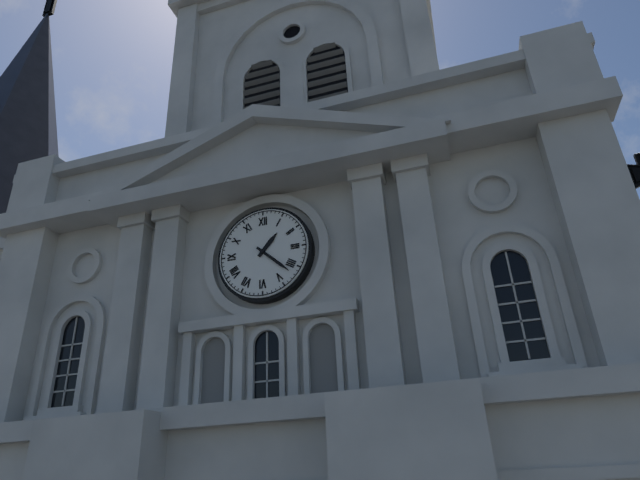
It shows 1,22
